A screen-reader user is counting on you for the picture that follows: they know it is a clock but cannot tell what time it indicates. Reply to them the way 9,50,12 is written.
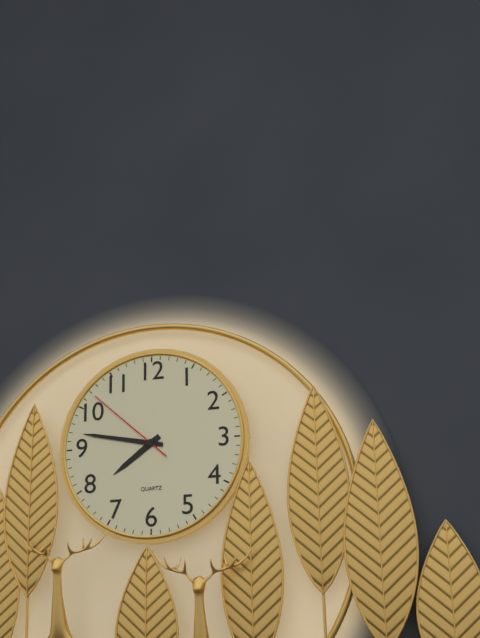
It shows 7,47,52
